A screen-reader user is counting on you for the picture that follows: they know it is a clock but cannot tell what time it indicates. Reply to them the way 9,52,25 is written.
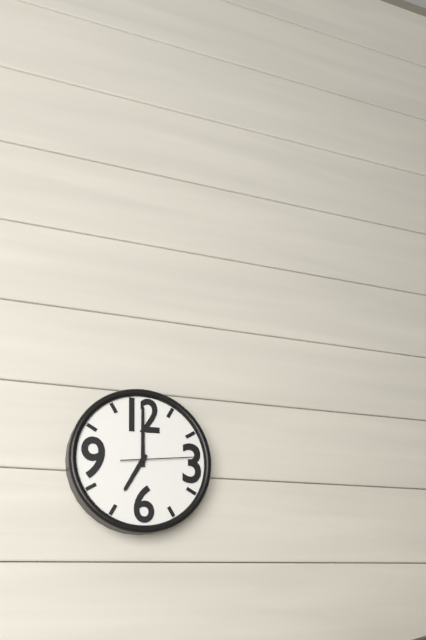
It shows 7,00,14
